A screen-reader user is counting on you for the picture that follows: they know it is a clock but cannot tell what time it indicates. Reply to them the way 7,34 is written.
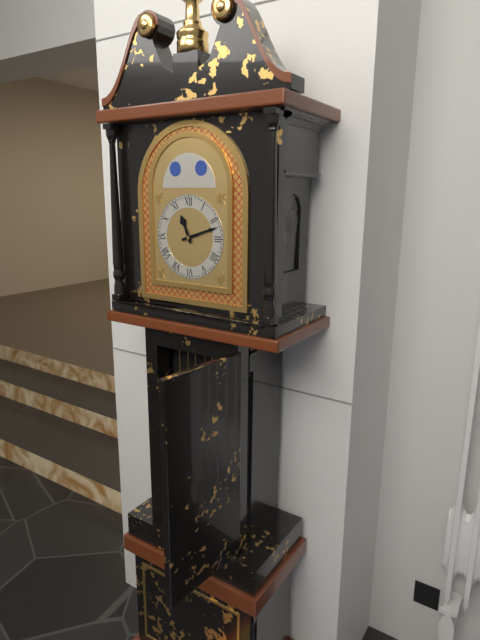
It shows 11,12
